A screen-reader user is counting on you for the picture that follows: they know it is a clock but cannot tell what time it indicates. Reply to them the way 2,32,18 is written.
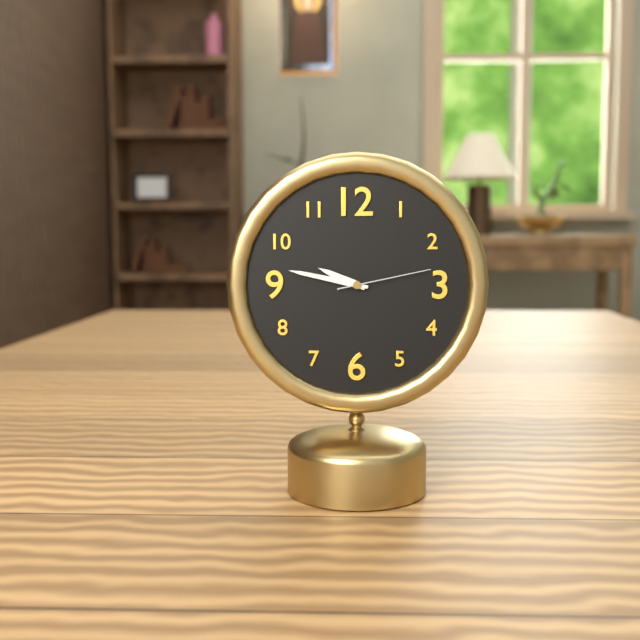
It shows 9,47,13
